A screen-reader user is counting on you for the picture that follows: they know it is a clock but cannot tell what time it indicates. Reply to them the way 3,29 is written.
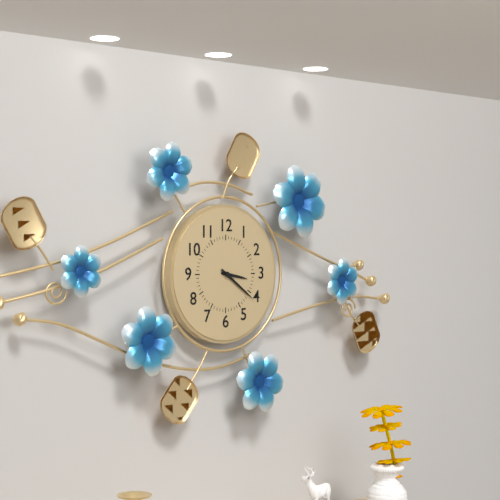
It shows 3,21
